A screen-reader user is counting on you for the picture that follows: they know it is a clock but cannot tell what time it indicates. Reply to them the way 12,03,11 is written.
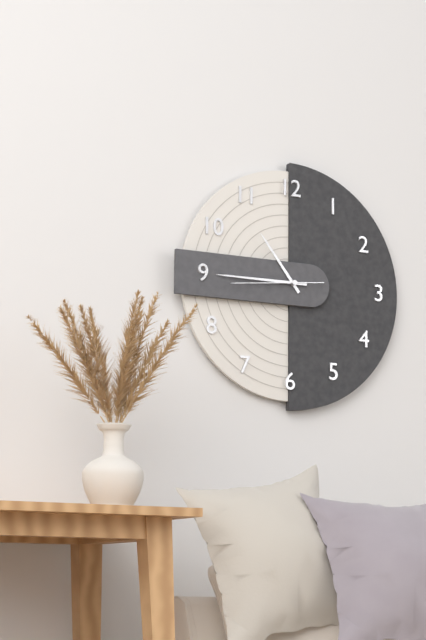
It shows 10,45,44
